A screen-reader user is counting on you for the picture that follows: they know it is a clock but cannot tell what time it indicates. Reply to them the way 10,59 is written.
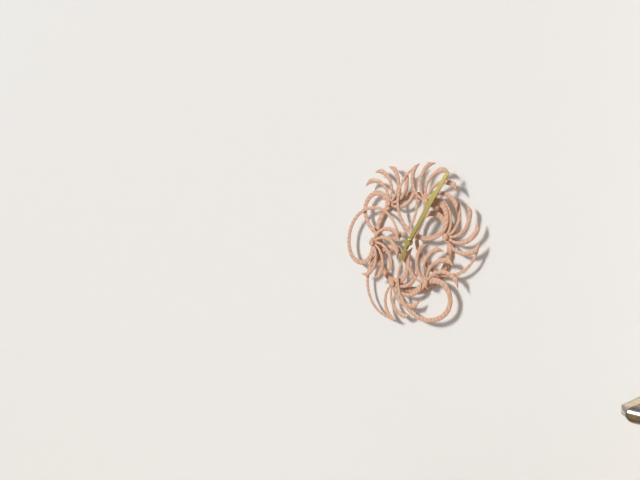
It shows 1,06
